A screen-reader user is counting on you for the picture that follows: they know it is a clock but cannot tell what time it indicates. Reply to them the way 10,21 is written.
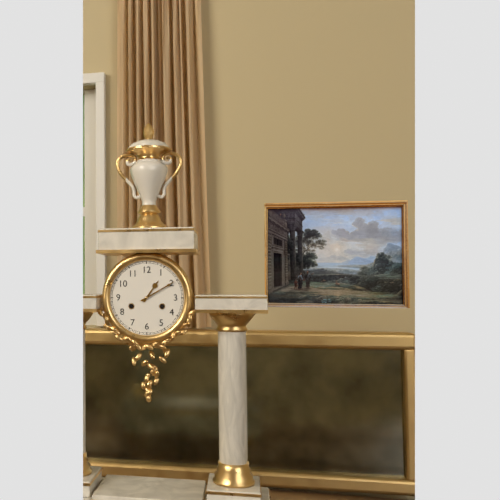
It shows 1,10
